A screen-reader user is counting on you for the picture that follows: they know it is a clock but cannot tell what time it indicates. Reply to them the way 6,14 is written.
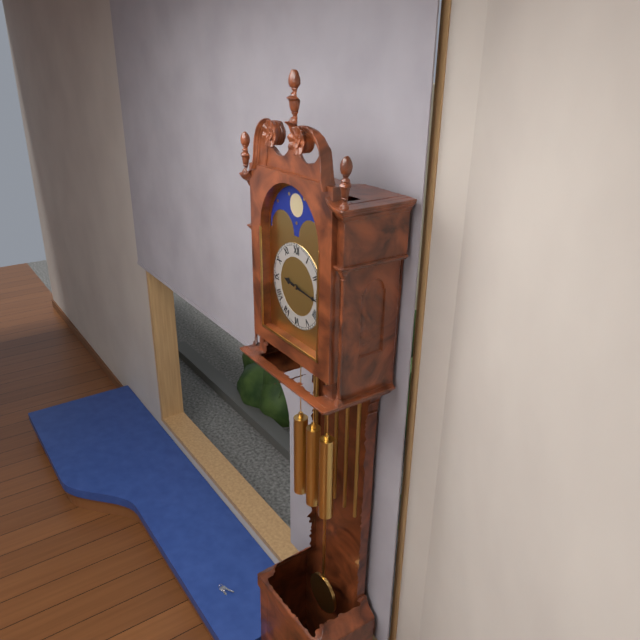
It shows 9,16
